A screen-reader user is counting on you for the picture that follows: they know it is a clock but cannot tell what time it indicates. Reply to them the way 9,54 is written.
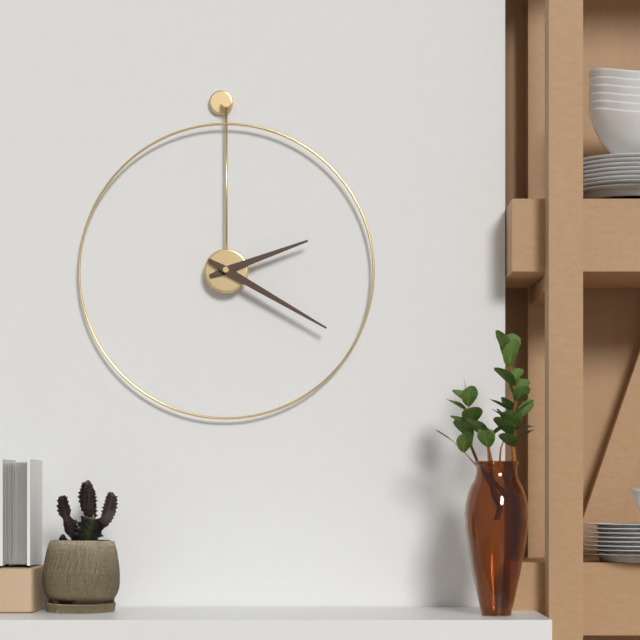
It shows 2,20
